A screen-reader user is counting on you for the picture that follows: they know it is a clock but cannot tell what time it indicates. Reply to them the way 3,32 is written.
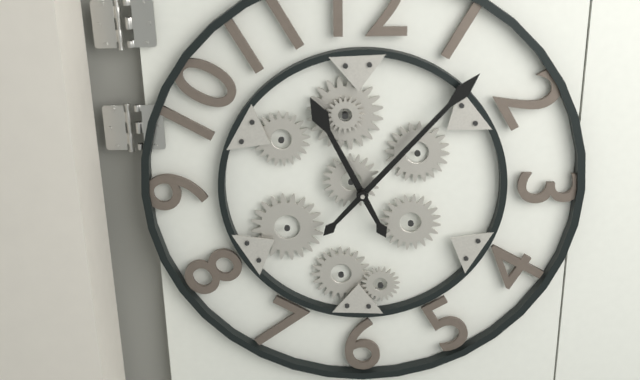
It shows 11,07
